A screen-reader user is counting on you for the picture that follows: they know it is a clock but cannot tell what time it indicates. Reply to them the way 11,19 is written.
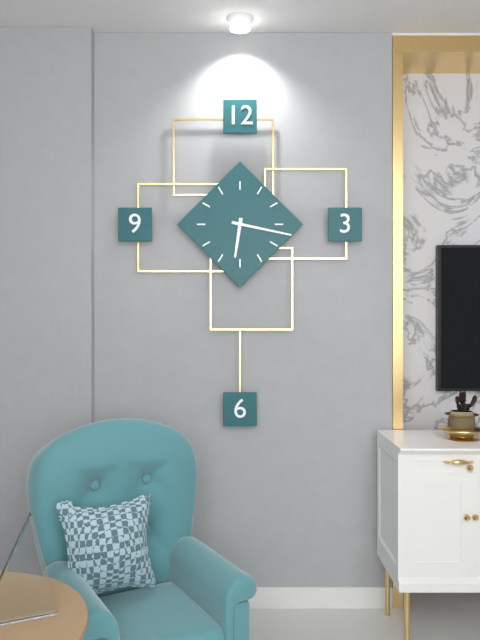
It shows 6,17
